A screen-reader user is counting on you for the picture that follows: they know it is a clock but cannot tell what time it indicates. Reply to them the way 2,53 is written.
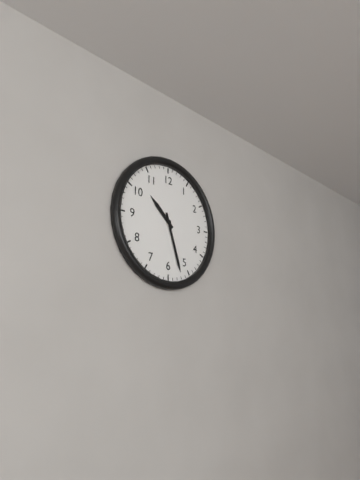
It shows 10,27
